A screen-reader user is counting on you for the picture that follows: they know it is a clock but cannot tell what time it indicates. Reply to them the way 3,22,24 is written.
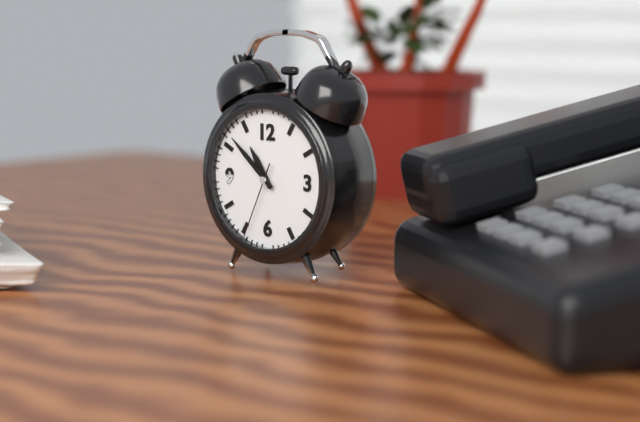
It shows 10,52,34
